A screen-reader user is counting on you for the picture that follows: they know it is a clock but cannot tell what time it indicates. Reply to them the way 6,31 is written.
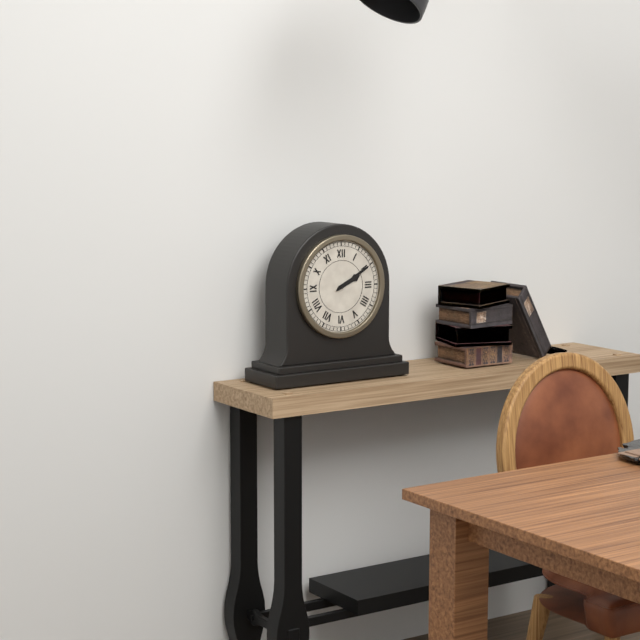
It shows 2,10
